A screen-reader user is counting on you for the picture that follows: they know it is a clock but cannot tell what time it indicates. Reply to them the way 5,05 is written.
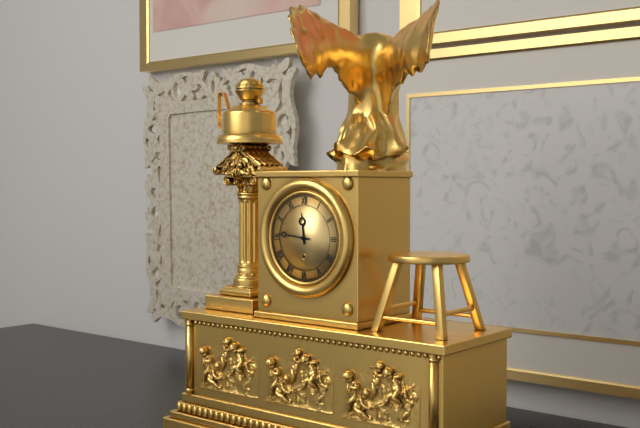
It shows 11,46
